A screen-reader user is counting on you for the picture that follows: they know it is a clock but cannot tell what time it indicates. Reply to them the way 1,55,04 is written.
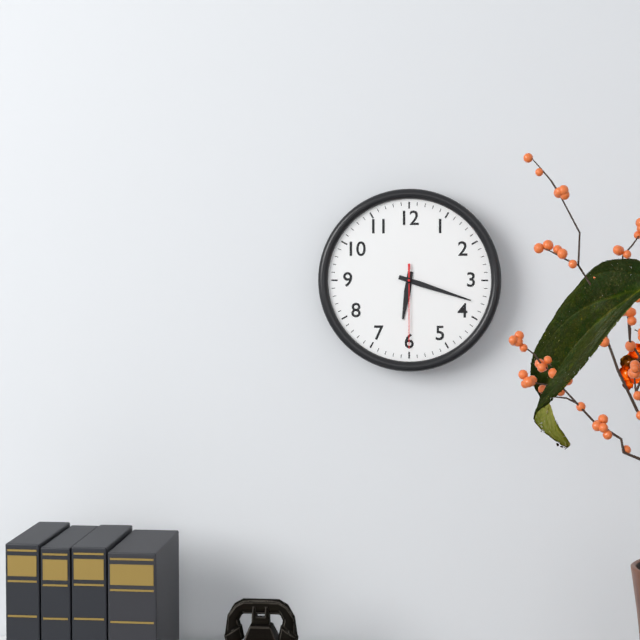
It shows 6,18,30
